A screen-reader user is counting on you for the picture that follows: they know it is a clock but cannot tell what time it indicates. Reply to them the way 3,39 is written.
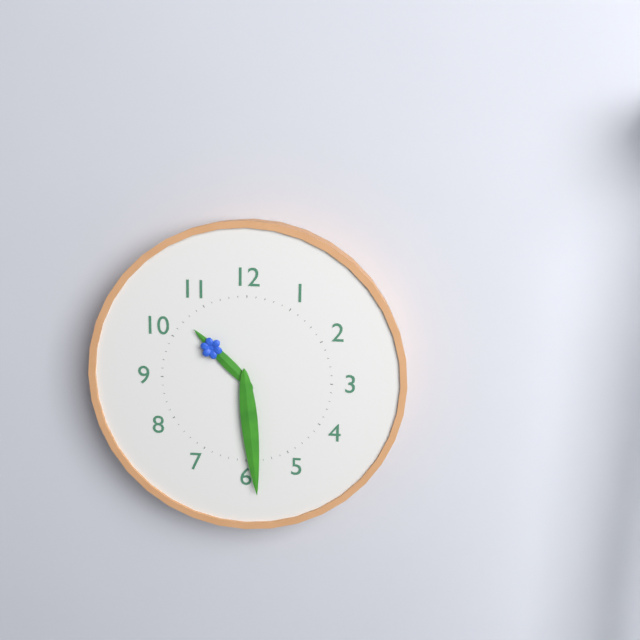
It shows 10,29
